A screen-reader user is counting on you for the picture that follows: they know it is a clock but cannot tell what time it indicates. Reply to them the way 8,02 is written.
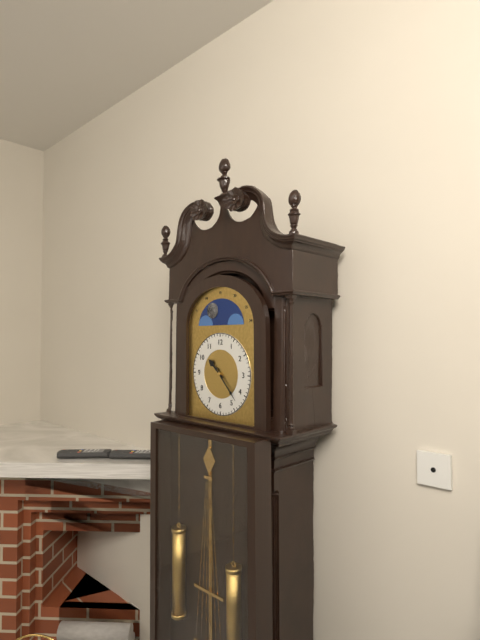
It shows 10,23
